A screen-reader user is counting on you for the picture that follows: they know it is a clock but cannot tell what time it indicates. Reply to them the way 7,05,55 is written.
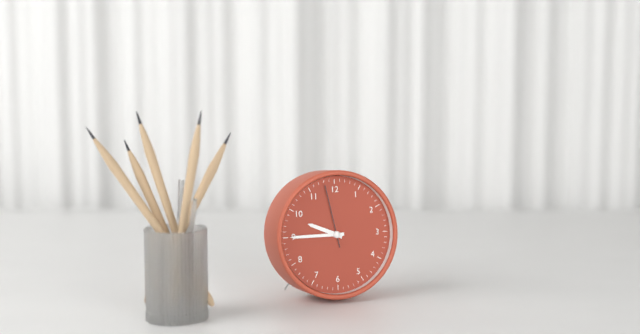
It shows 9,45,58
